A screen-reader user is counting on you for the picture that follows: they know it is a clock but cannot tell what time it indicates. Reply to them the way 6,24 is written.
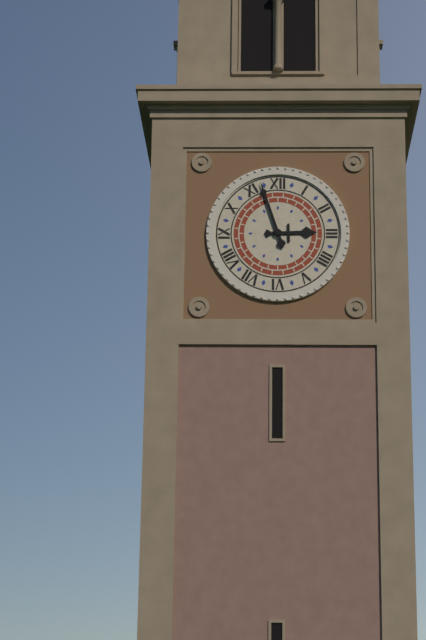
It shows 2,57
